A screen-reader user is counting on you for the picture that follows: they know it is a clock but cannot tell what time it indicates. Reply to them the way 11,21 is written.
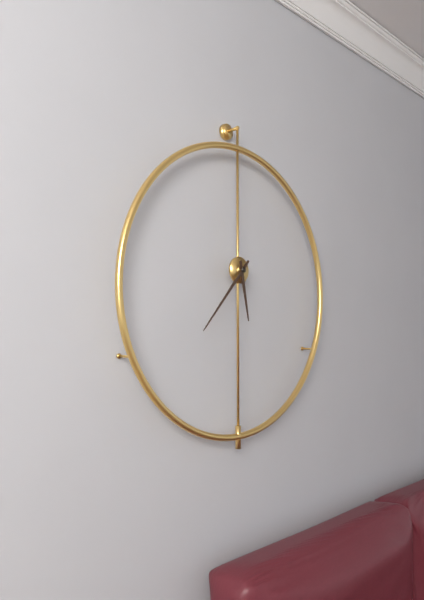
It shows 5,37
